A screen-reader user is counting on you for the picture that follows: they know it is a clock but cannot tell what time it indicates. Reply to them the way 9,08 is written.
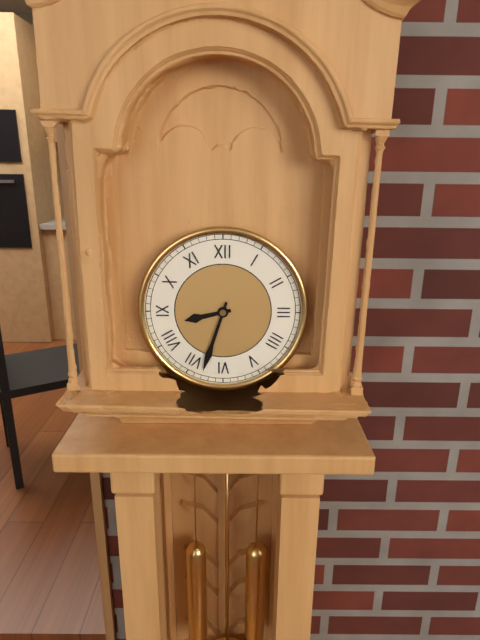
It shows 8,33
